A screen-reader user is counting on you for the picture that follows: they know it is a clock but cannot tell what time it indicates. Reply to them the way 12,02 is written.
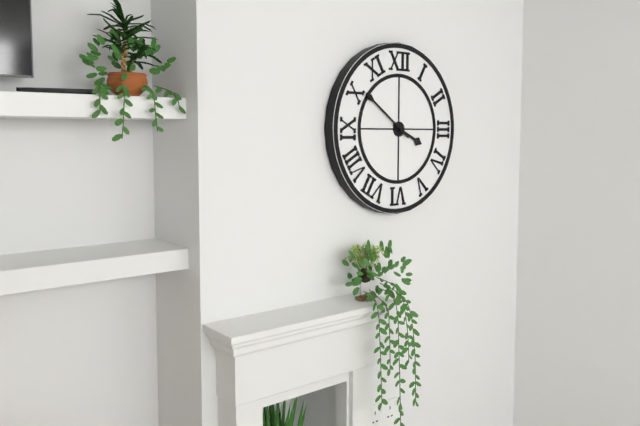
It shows 3,51
